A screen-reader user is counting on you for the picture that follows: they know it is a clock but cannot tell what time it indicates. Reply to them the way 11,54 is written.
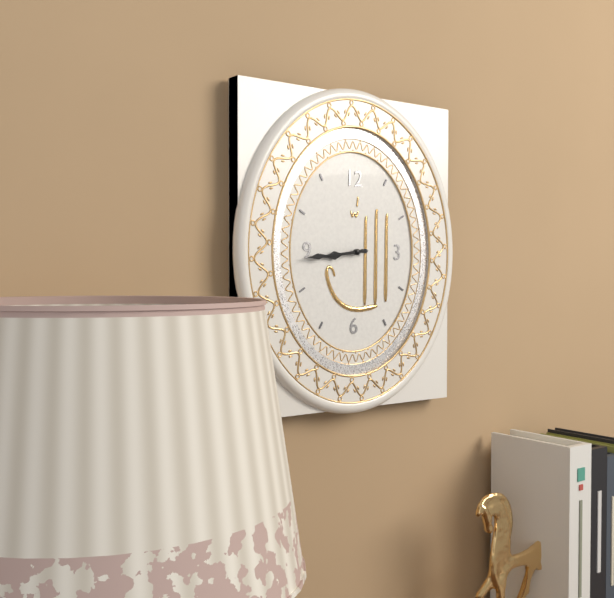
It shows 8,44
